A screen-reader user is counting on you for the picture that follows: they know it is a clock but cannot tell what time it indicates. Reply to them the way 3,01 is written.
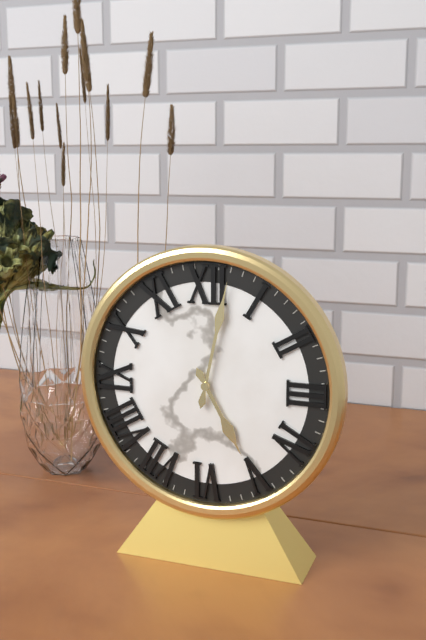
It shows 5,02
